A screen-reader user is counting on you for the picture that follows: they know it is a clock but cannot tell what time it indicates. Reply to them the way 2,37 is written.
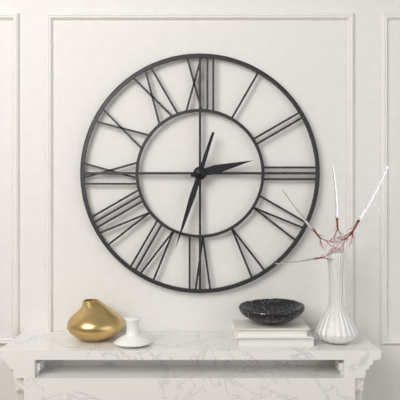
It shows 2,33
